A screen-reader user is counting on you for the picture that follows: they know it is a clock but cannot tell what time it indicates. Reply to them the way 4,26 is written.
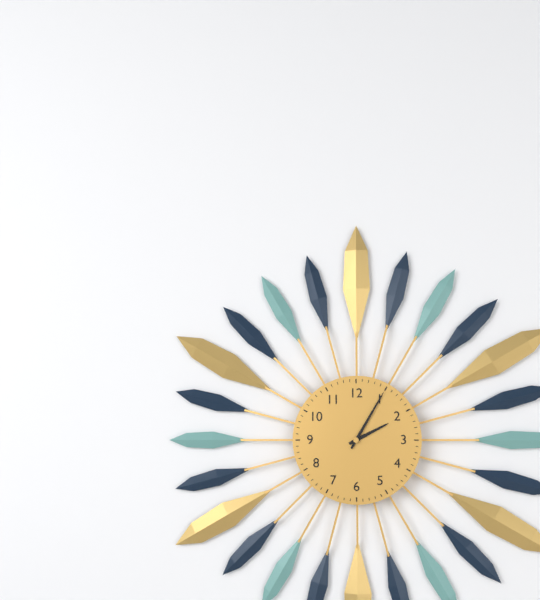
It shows 2,05
